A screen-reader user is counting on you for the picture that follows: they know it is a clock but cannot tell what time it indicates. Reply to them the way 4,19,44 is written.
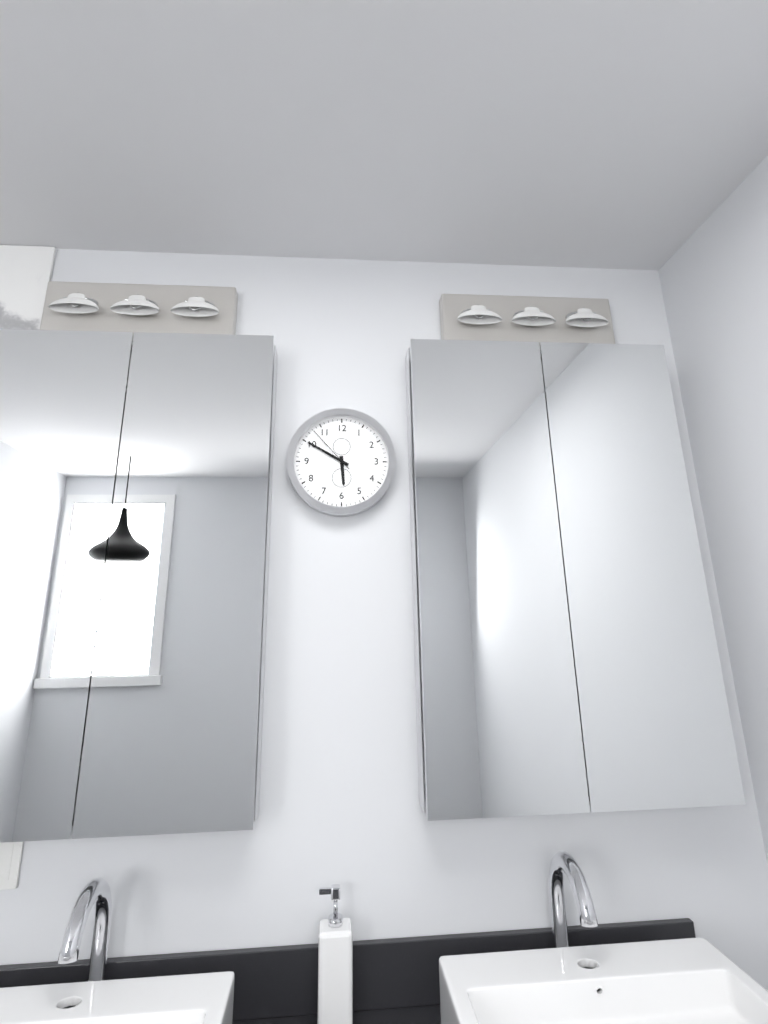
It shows 5,50,53
